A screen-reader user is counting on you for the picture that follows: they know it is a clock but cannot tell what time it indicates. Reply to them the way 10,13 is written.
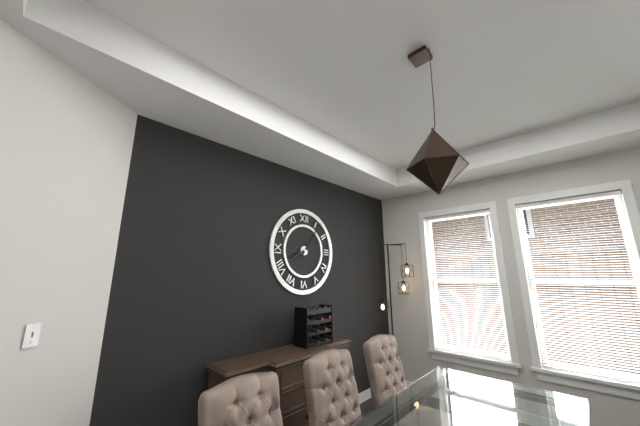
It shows 8,06
